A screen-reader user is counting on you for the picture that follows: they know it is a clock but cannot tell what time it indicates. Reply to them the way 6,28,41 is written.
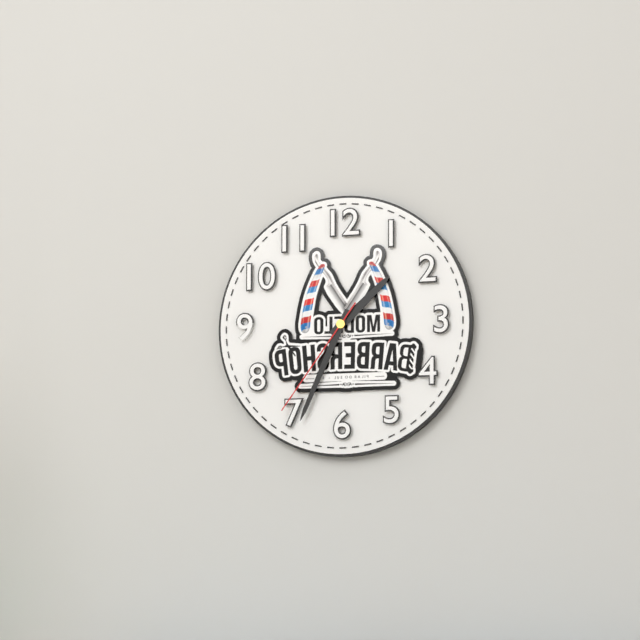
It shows 1,34,36
